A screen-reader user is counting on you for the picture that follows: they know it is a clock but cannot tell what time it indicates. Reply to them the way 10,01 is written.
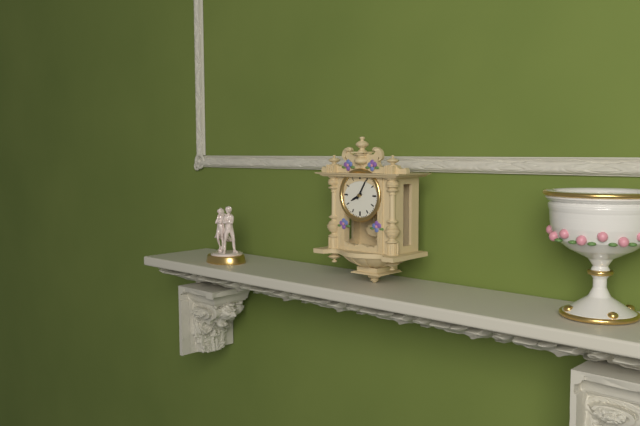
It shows 8,05
